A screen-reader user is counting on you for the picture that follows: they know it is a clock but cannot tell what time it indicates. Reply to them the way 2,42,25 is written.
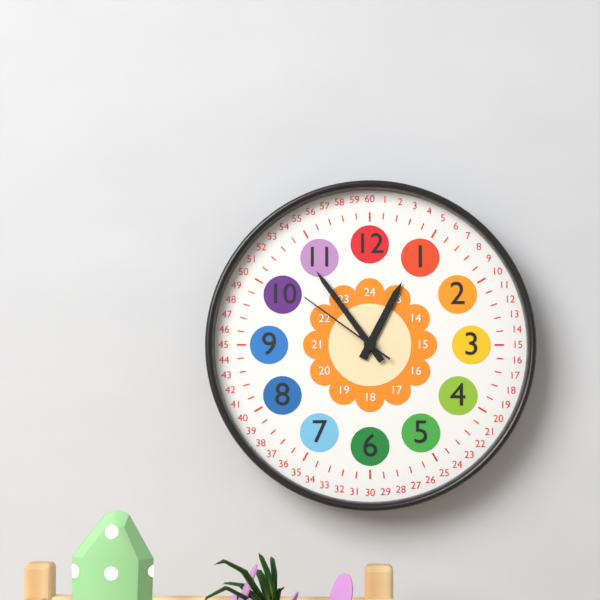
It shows 12,54,51
